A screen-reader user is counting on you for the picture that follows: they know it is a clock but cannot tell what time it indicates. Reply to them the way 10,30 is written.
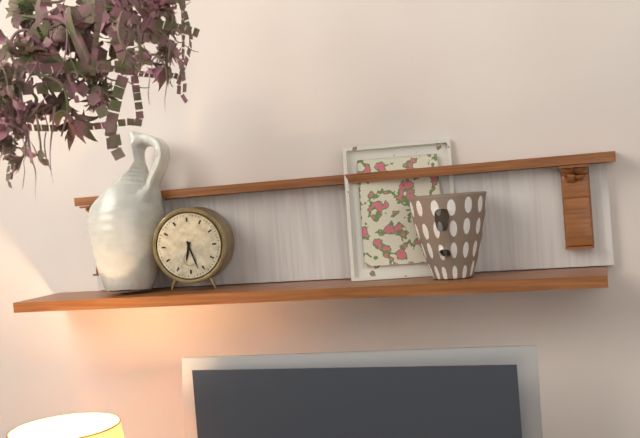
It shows 6,27
